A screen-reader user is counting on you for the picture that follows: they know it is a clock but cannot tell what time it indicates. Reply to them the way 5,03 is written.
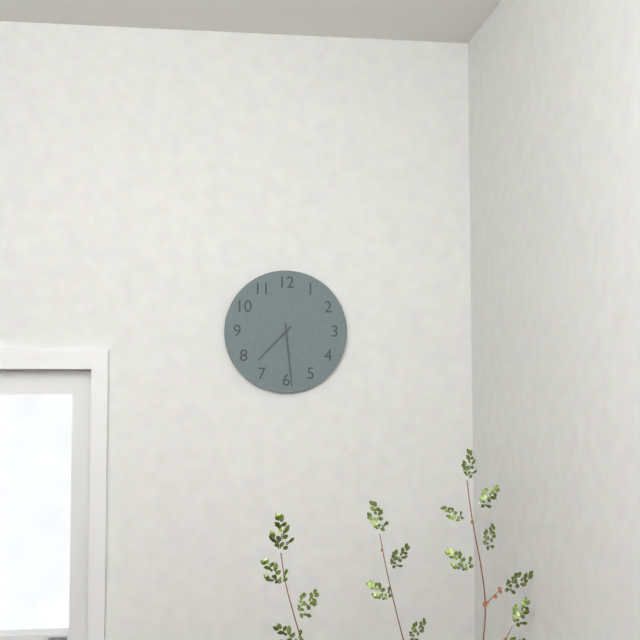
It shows 7,29
